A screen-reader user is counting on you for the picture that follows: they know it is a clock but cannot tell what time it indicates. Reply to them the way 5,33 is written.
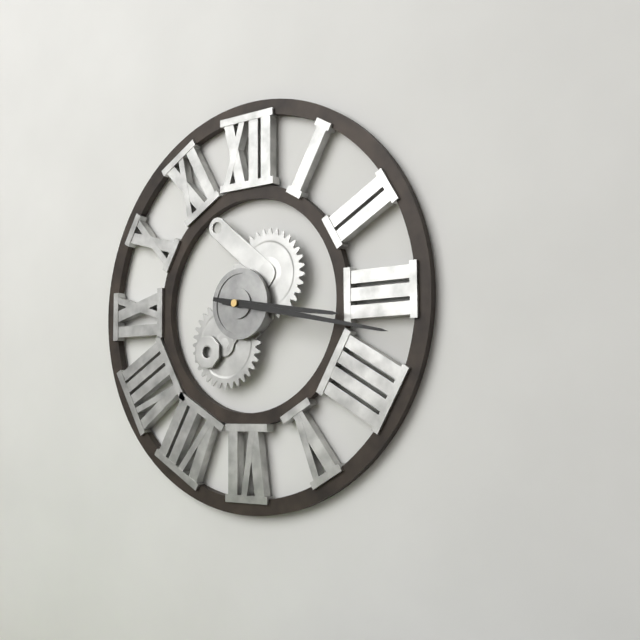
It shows 3,17
